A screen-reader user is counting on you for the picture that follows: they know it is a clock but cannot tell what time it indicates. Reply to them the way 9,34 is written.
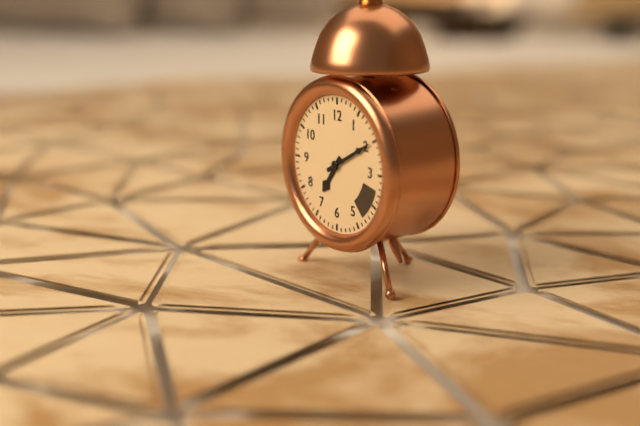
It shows 7,10
